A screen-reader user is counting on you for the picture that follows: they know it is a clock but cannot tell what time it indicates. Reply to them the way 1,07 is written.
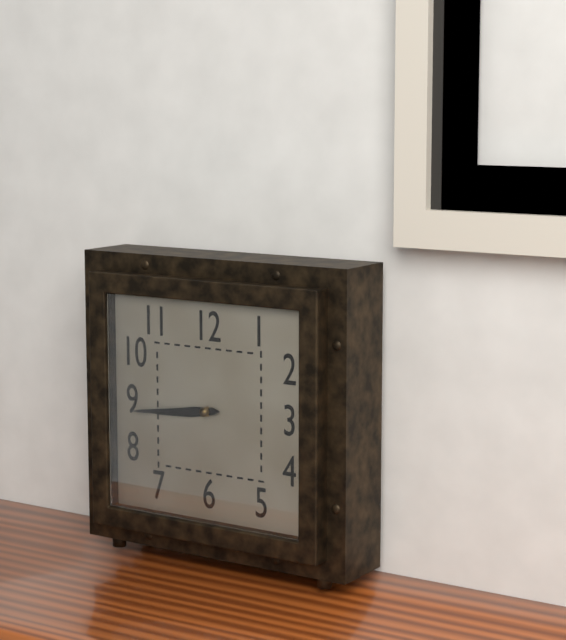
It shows 8,44
